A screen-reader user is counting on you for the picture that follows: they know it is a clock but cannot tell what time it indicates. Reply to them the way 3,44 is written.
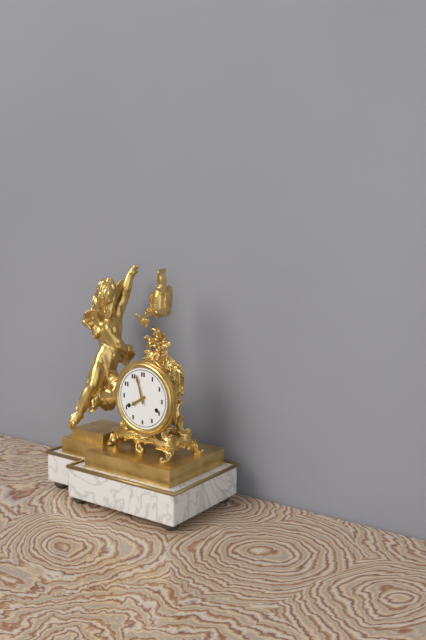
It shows 7,57
